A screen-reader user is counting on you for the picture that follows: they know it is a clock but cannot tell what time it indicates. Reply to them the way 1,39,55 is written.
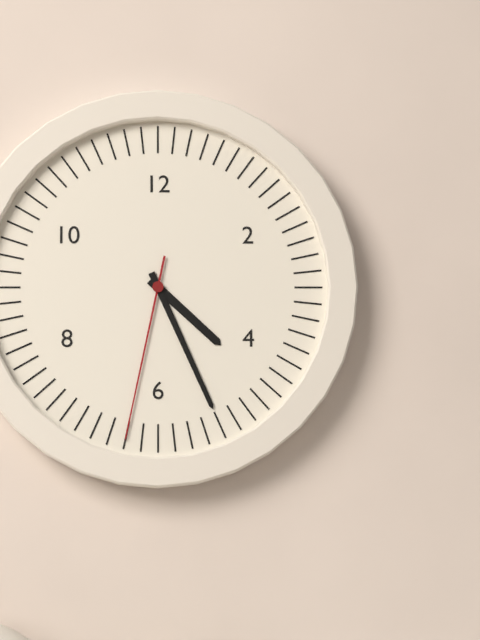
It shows 4,26,32
